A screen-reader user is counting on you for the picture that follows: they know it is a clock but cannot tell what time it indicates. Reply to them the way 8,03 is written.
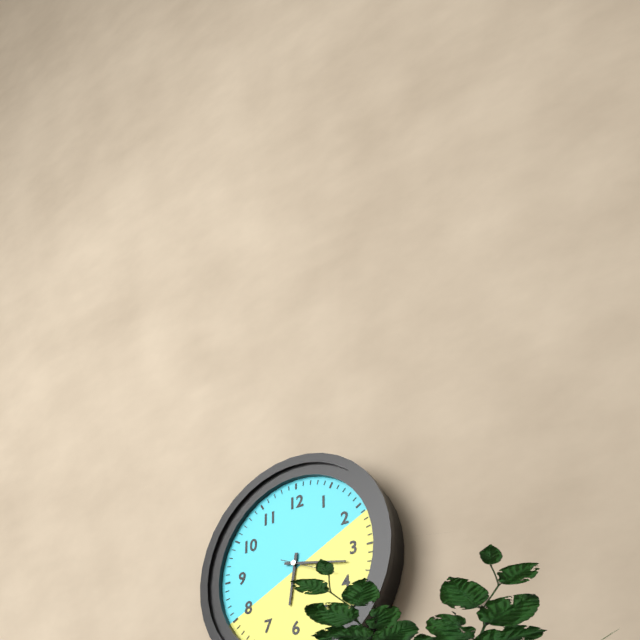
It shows 6,17
